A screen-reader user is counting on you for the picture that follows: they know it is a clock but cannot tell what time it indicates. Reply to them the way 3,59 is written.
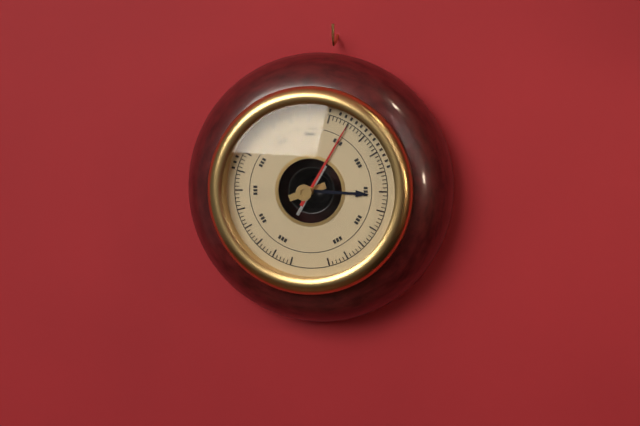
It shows 3,05
